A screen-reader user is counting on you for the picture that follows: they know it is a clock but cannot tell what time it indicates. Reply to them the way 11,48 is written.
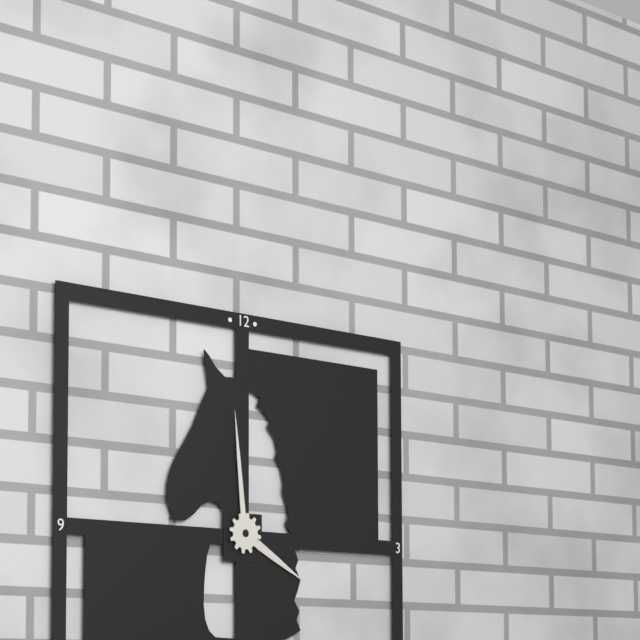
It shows 3,59
